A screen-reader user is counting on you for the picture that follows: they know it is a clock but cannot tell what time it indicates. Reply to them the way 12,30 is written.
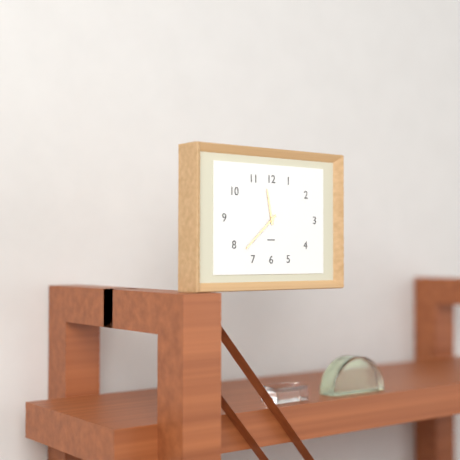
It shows 11,38
